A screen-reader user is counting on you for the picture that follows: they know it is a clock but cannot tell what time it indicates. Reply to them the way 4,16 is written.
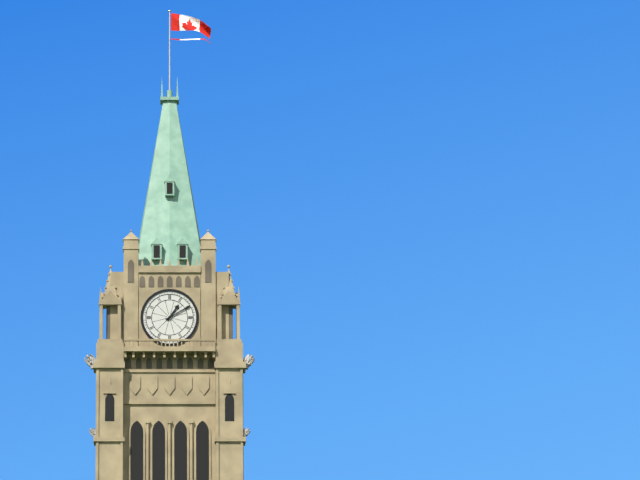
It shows 1,10
